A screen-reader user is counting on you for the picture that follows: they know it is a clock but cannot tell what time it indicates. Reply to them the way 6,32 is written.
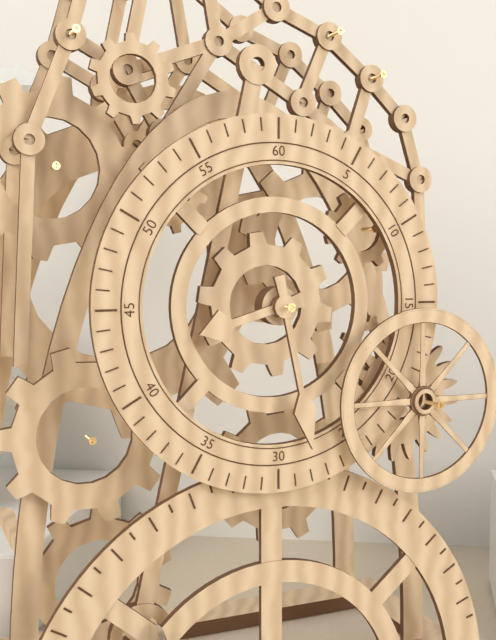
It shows 8,28
